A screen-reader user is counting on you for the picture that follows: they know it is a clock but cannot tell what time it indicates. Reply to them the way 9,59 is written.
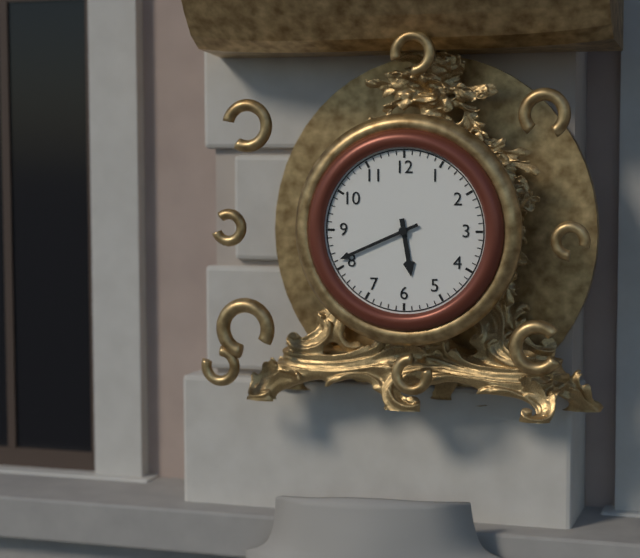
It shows 5,41
